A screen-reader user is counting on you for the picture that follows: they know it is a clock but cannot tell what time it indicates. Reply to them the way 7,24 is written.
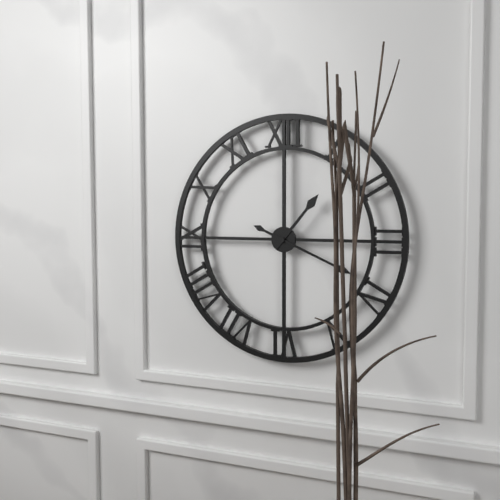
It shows 1,19
